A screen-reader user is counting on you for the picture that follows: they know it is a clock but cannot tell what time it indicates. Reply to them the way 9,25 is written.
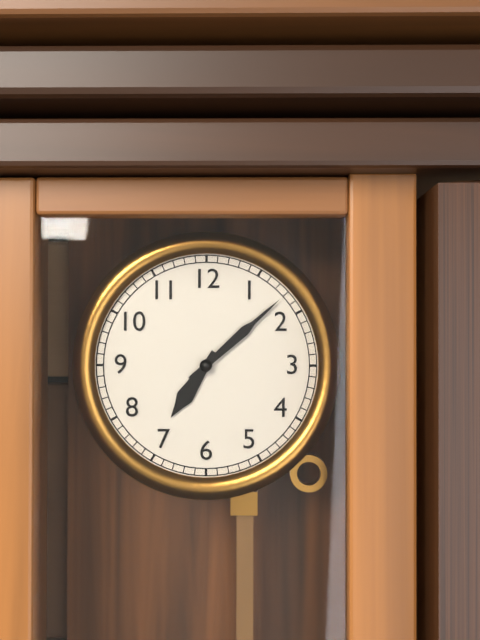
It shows 7,08
